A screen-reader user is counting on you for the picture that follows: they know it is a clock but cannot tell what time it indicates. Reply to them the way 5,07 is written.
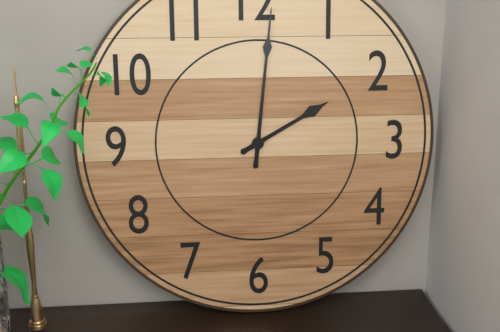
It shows 2,01
